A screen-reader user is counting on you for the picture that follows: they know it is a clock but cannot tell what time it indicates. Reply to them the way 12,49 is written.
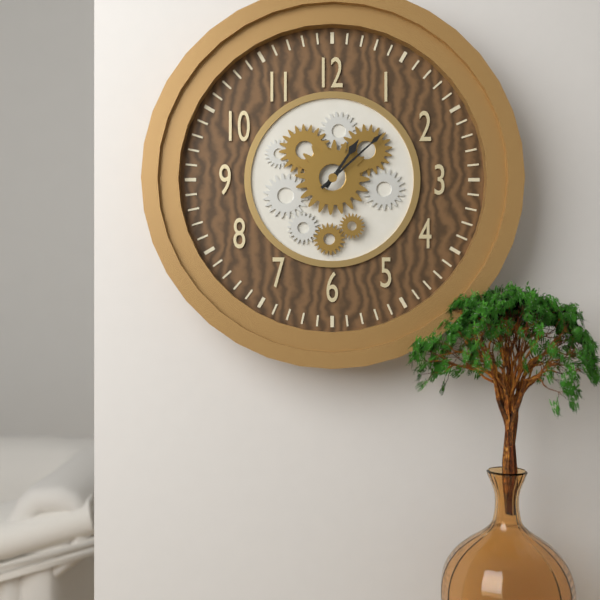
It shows 1,08
